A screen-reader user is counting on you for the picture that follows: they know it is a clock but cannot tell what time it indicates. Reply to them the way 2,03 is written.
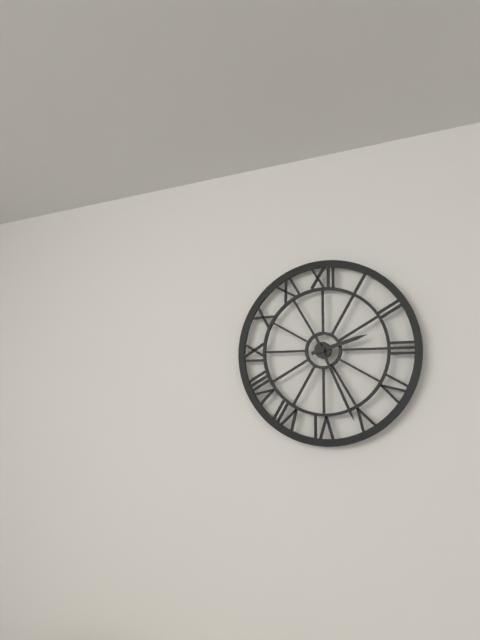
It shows 2,26
